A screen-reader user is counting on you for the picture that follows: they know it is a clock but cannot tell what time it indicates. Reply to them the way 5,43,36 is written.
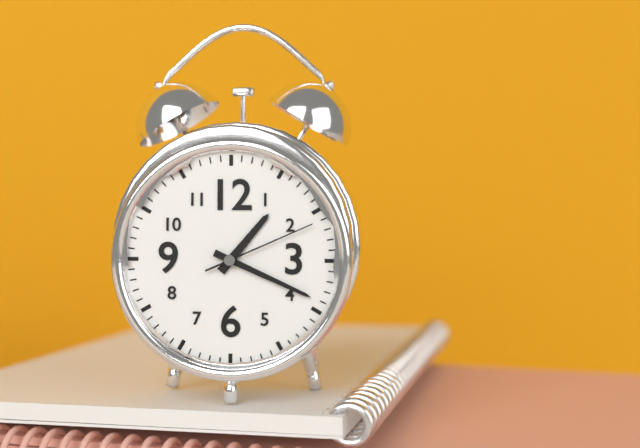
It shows 1,19,11
